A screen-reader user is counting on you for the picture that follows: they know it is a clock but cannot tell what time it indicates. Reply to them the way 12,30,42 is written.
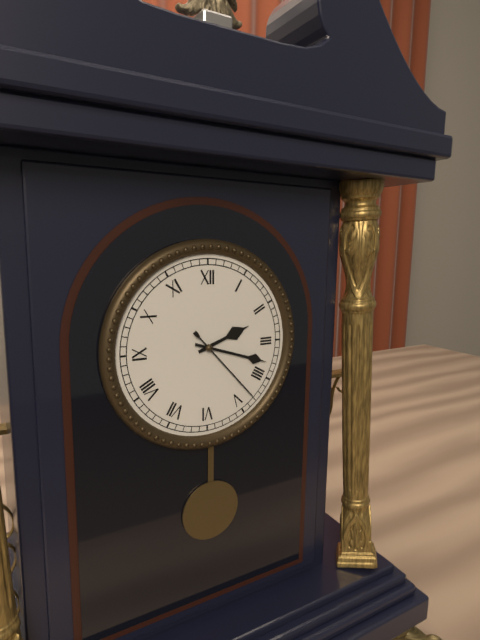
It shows 2,18,23
